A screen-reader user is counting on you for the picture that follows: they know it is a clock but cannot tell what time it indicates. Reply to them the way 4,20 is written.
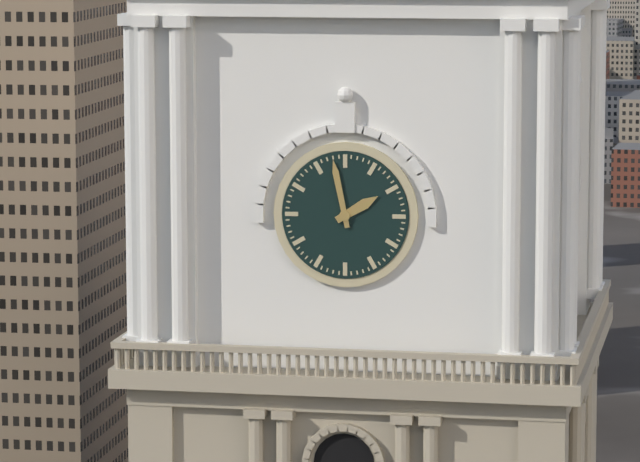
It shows 1,58
